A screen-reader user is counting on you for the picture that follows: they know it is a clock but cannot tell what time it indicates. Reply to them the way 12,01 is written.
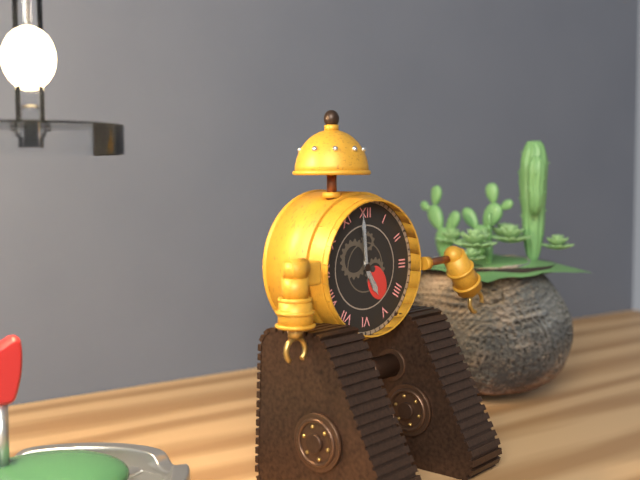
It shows 4,59
